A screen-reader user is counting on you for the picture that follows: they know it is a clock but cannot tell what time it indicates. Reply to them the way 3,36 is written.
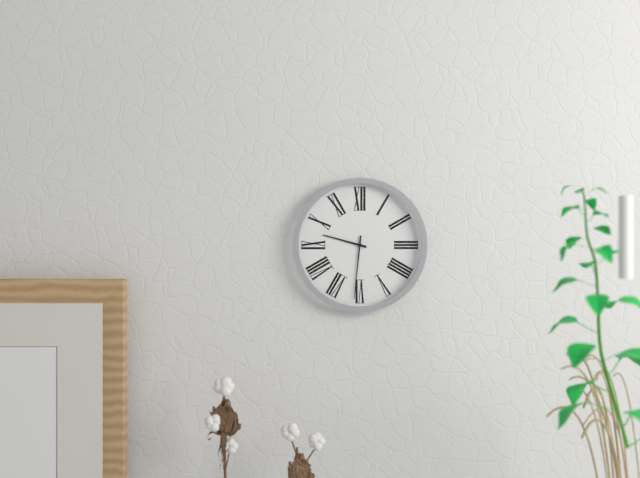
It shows 9,31
